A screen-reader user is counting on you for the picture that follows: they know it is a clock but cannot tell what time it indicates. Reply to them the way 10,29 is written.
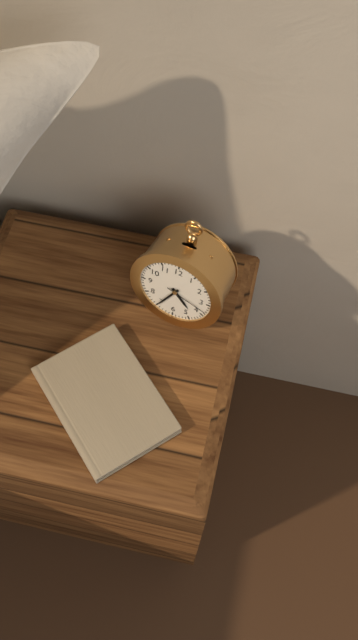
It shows 4,35
